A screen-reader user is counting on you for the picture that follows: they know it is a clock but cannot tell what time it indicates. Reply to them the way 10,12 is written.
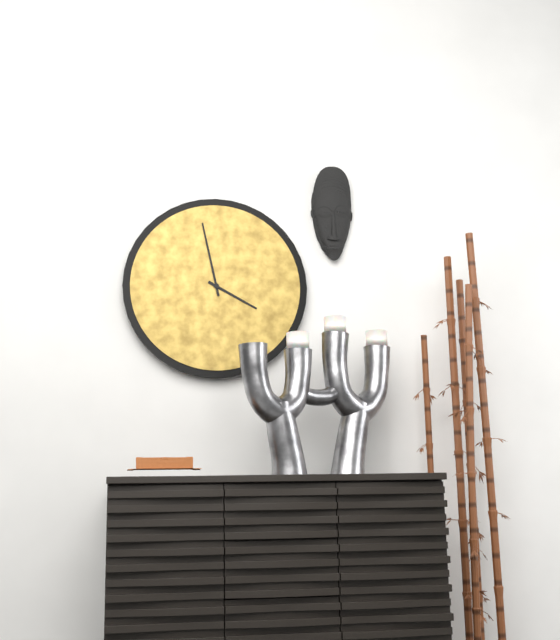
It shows 3,58
